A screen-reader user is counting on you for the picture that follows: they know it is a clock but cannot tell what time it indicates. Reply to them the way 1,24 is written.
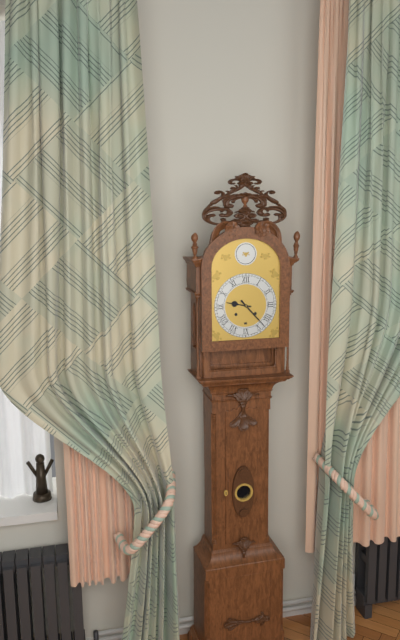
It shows 9,23
